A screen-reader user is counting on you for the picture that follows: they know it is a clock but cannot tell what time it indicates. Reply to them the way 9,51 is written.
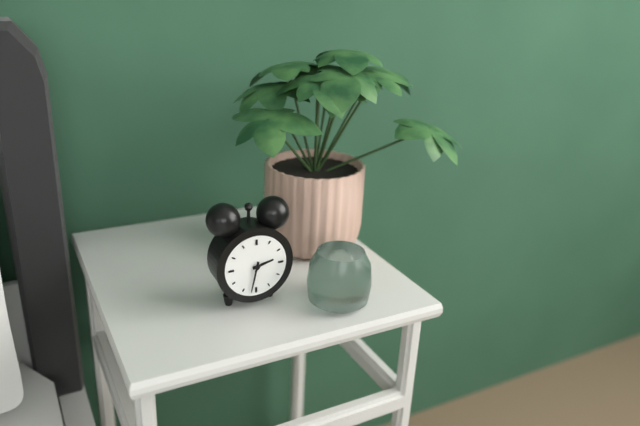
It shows 2,32
